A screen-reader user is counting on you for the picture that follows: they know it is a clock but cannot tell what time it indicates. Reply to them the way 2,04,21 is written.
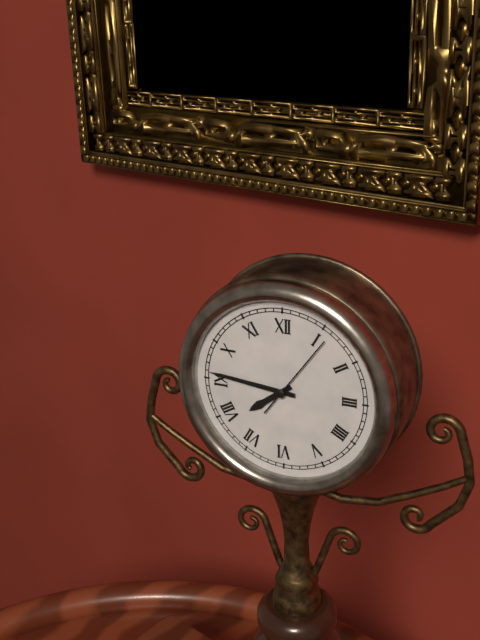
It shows 7,46,06
